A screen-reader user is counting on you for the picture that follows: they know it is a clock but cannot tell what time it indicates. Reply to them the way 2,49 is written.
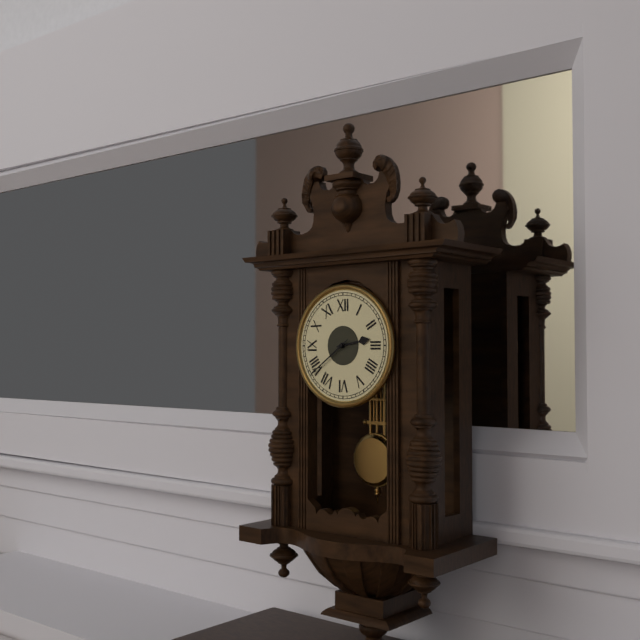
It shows 2,39
